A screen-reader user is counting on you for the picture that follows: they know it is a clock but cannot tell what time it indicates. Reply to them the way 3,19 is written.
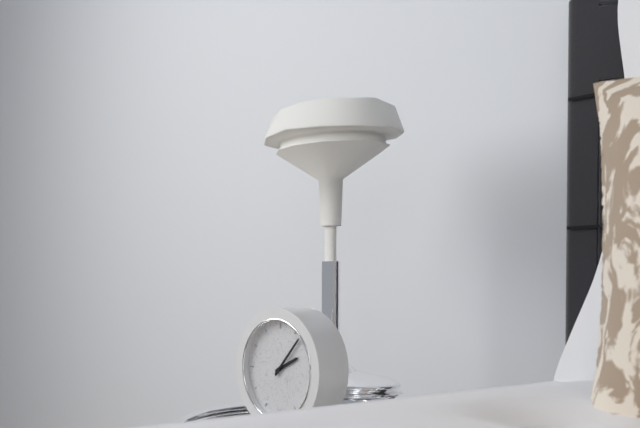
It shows 2,07
